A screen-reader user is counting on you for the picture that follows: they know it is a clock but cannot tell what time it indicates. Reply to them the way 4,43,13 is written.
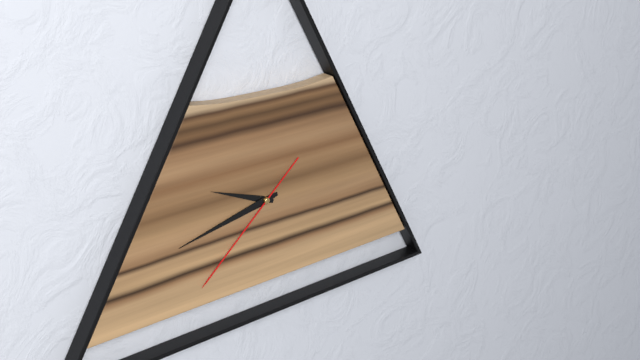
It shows 9,43,38
